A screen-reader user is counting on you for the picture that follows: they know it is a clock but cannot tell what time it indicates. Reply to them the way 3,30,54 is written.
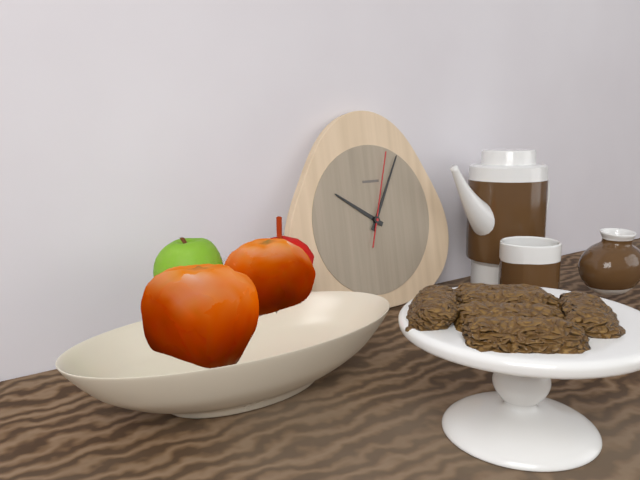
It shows 10,05,03
